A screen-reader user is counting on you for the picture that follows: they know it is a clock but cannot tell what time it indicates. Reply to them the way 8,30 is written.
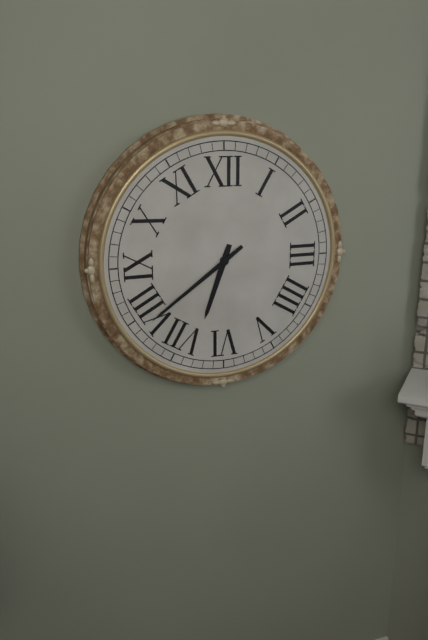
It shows 6,39
